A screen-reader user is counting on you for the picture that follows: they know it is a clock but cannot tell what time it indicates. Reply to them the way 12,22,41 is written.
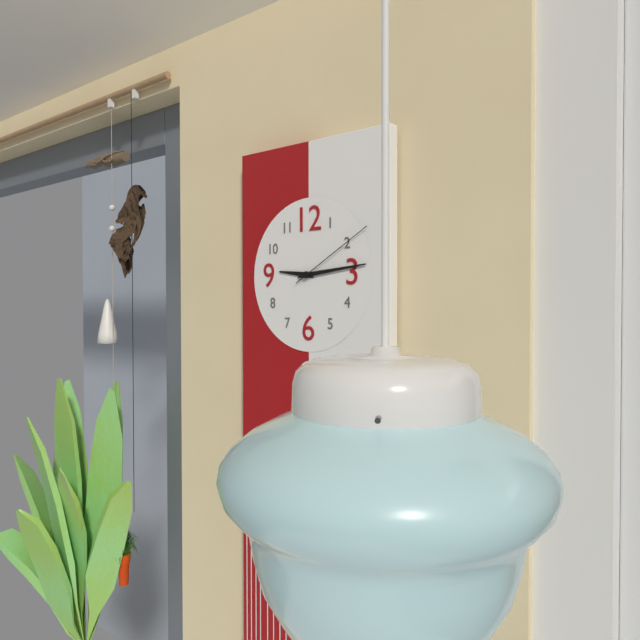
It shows 9,14,10
